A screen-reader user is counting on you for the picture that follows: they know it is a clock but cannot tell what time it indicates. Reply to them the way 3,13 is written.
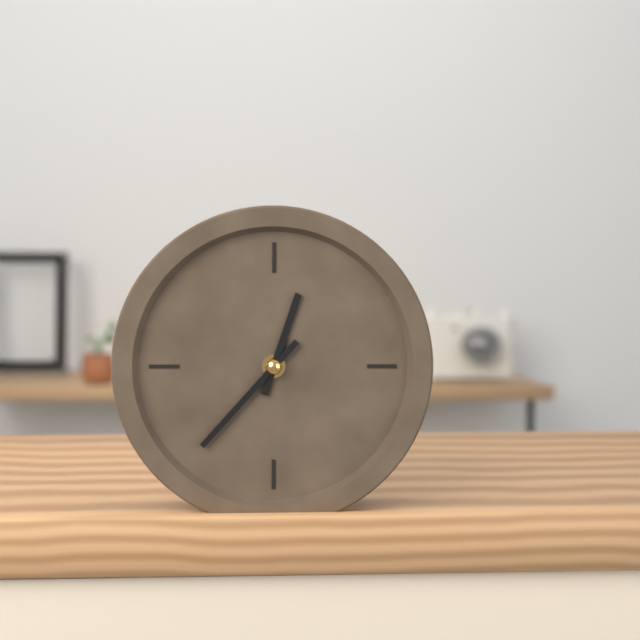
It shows 12,37
